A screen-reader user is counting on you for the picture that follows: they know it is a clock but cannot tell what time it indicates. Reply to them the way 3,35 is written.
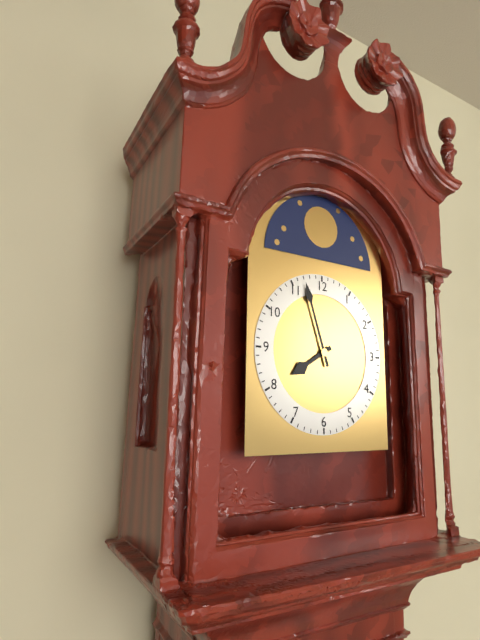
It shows 7,57
